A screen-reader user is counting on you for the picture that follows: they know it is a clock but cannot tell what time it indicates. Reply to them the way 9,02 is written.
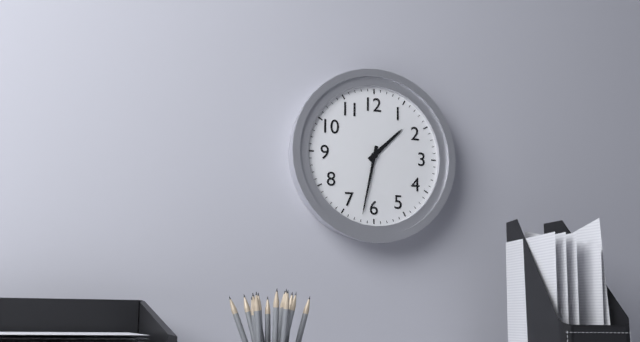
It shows 1,32
